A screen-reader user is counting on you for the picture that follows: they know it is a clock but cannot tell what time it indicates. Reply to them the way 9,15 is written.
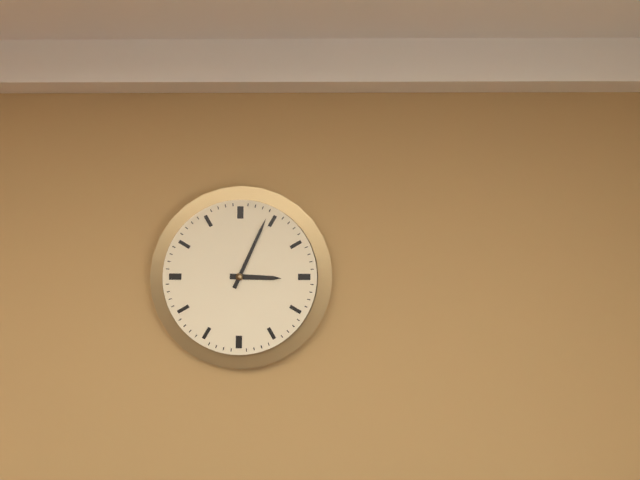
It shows 3,04
